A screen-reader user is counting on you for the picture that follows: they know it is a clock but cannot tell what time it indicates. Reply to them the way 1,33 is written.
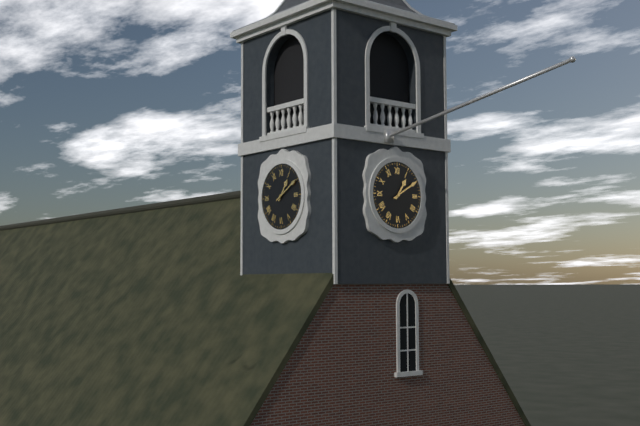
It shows 1,10
